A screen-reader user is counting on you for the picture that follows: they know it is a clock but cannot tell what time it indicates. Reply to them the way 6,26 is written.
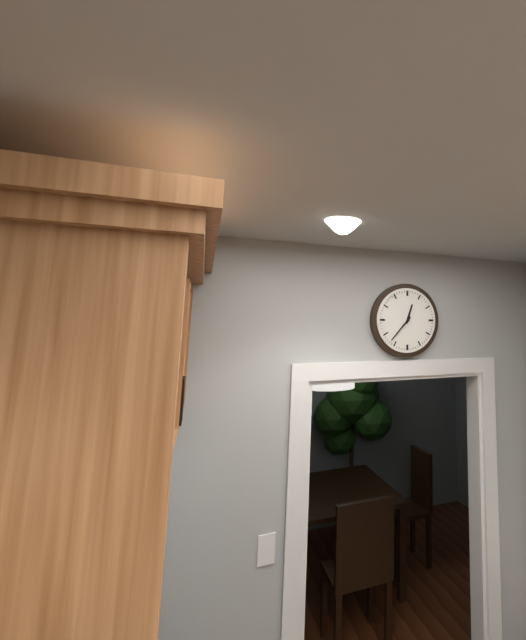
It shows 12,37
